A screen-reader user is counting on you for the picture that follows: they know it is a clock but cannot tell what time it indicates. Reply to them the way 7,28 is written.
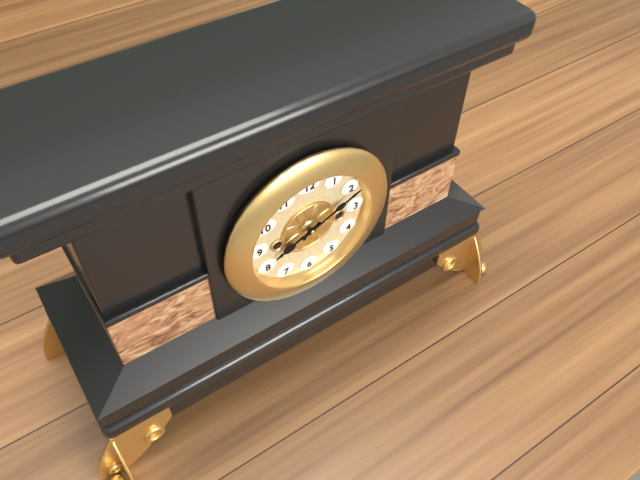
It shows 8,11
